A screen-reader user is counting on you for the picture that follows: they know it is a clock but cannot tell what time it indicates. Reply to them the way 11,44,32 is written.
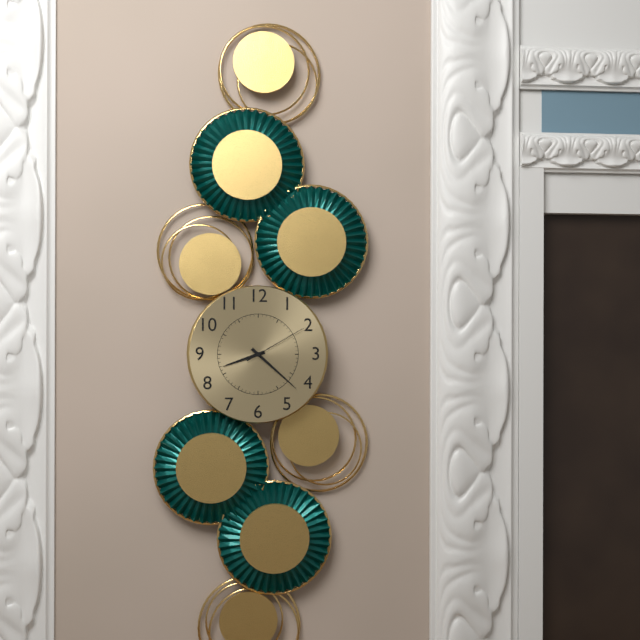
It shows 8,22,10
